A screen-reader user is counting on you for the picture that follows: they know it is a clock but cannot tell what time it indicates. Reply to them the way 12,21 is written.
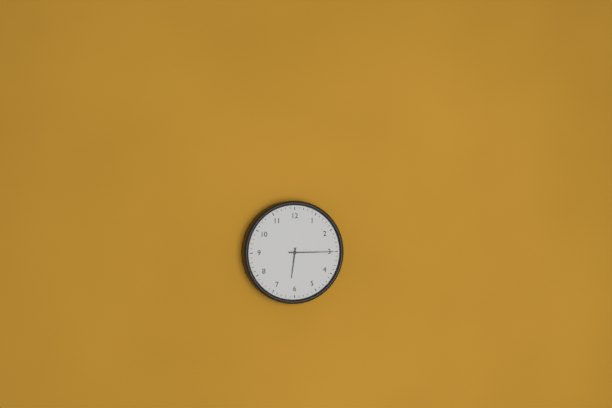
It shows 6,15
